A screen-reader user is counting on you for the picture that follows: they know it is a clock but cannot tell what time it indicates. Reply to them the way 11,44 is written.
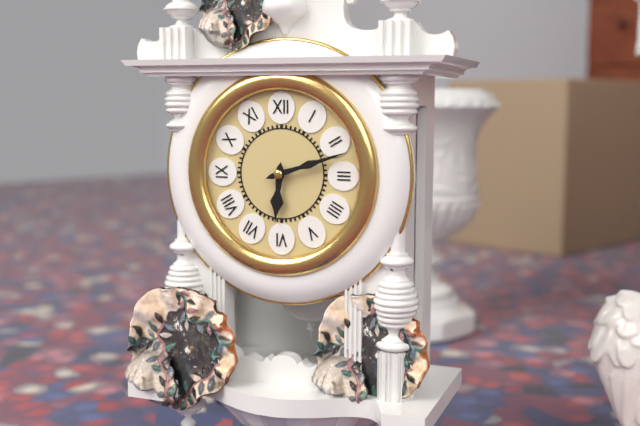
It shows 6,12
